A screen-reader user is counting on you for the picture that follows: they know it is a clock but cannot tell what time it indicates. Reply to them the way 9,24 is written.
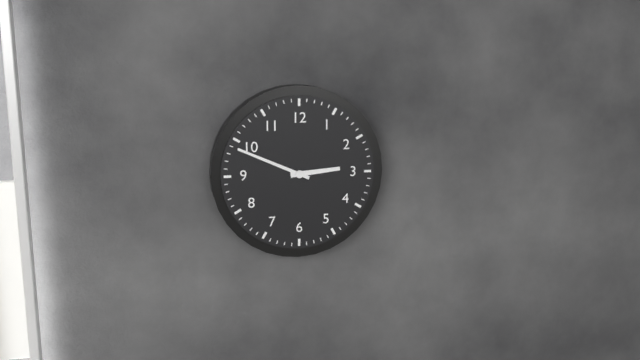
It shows 2,49
